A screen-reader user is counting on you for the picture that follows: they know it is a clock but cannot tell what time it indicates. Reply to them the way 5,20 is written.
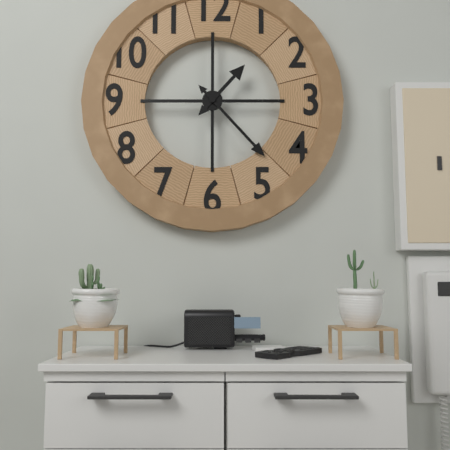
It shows 1,23
